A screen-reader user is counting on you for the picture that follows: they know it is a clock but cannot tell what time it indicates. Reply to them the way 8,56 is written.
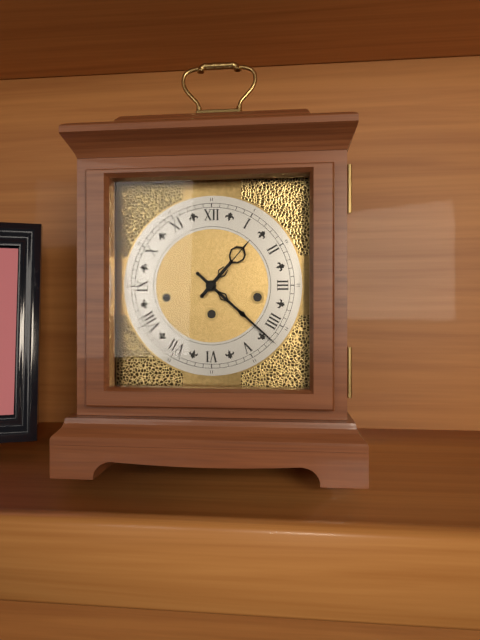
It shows 1,22
